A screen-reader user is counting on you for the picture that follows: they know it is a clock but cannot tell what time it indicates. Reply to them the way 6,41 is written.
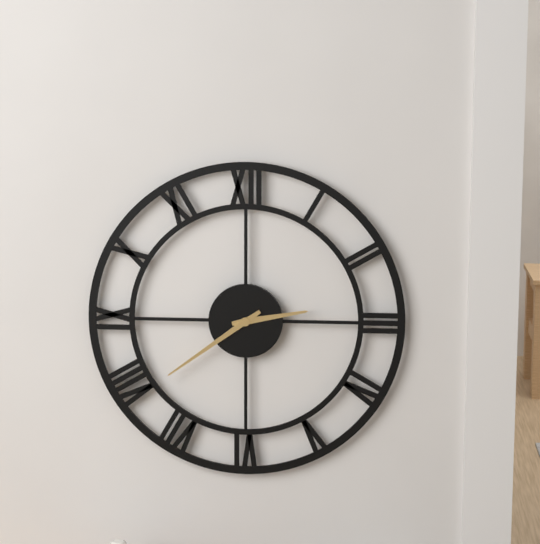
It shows 2,39
